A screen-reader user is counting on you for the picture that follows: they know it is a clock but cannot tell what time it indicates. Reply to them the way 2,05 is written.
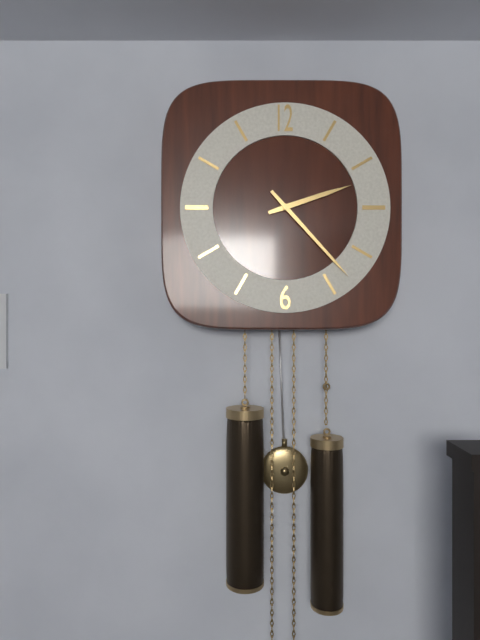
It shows 2,23
